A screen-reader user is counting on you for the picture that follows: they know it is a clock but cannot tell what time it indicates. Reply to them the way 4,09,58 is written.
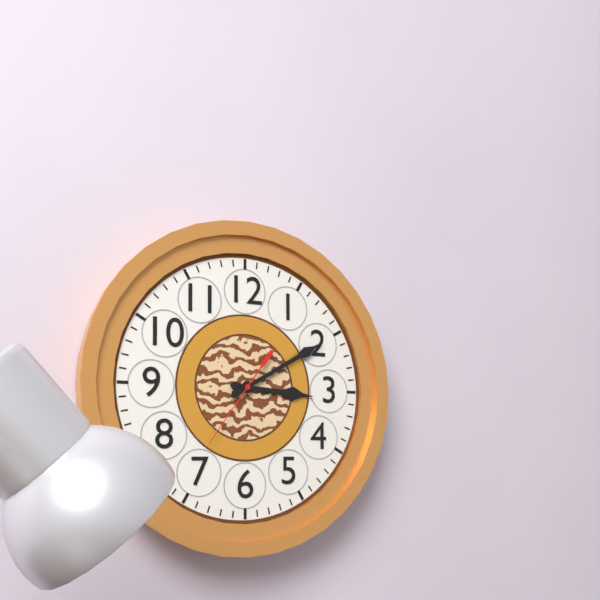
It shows 3,10,36
